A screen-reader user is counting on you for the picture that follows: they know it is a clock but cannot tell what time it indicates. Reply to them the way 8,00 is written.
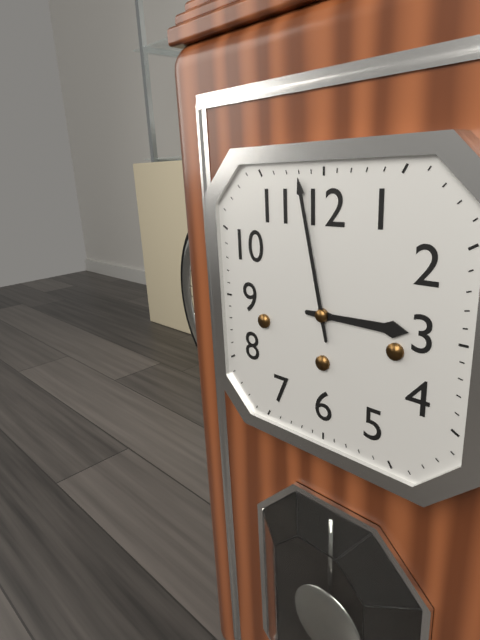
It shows 2,58
